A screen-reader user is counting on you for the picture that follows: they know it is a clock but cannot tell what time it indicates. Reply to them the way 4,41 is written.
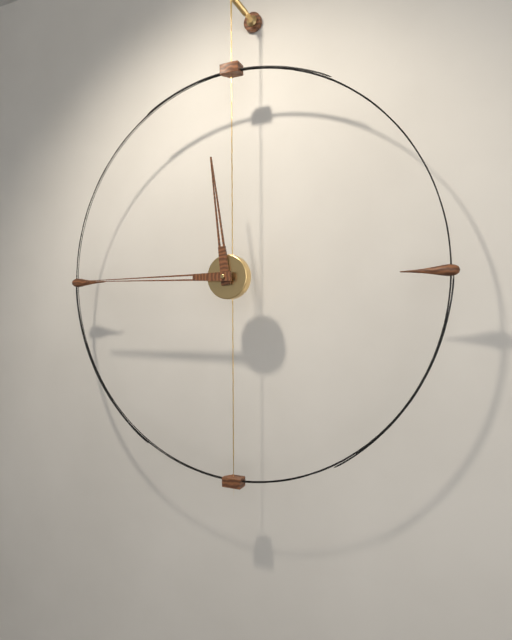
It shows 11,45
